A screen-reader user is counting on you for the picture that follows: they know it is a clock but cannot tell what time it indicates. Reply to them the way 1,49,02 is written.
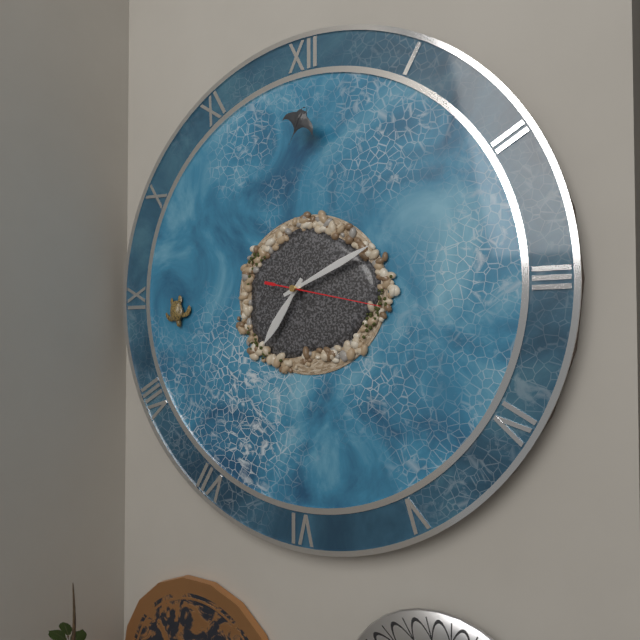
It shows 7,11,17
